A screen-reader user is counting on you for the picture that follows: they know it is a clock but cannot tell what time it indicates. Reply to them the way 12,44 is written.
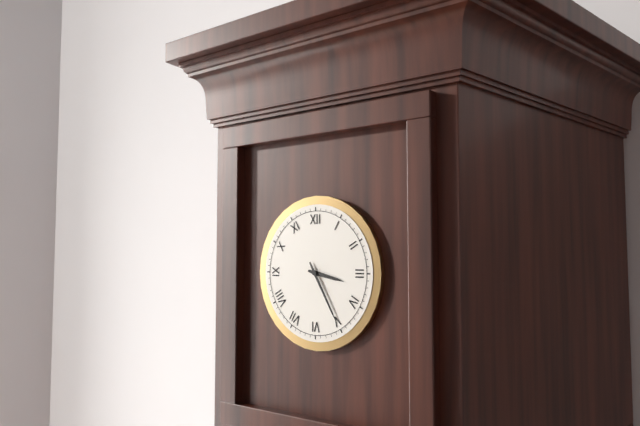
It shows 3,25
